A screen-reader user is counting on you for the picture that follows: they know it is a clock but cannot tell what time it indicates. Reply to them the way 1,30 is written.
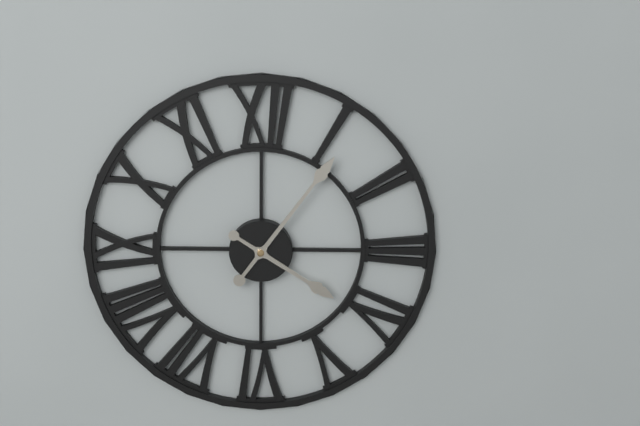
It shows 4,06
